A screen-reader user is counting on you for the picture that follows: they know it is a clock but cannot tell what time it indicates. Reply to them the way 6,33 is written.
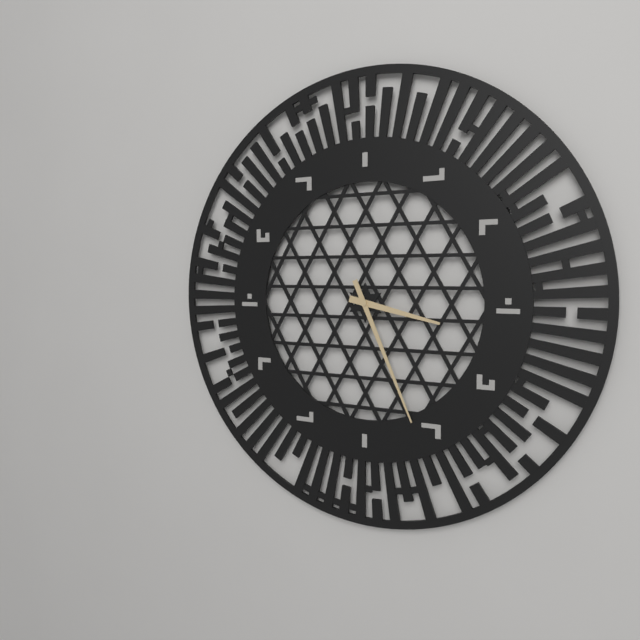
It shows 3,26
